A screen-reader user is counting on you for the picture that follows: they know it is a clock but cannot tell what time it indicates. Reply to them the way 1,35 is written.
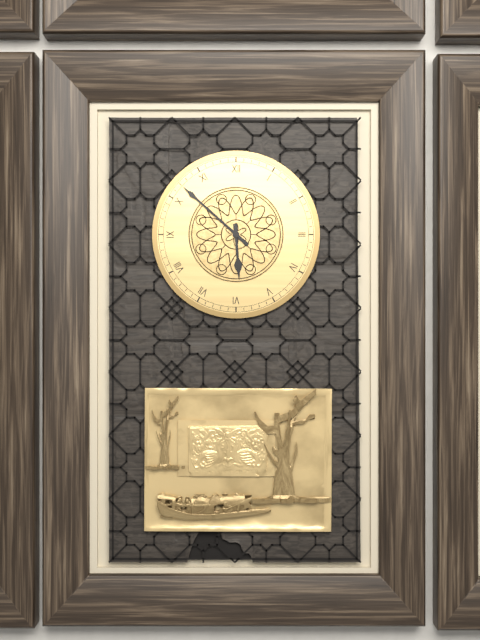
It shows 5,52
